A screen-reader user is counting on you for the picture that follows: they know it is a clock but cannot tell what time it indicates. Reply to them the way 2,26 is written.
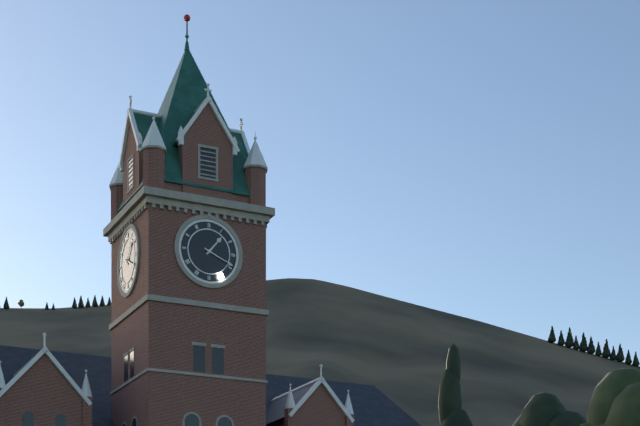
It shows 1,19
